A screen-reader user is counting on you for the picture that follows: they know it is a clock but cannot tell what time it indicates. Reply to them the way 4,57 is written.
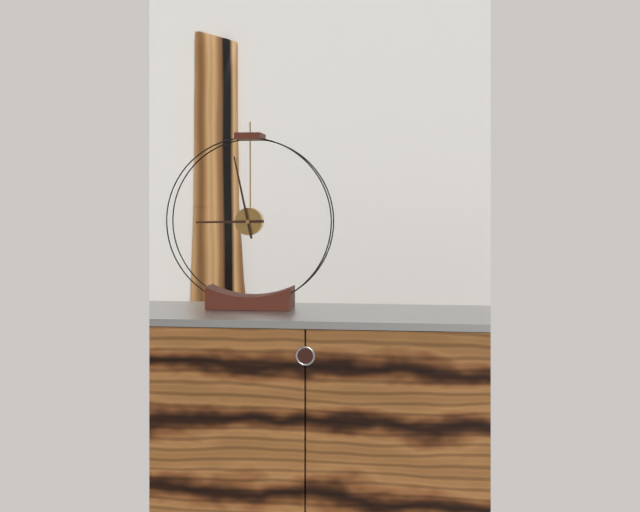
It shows 8,58
